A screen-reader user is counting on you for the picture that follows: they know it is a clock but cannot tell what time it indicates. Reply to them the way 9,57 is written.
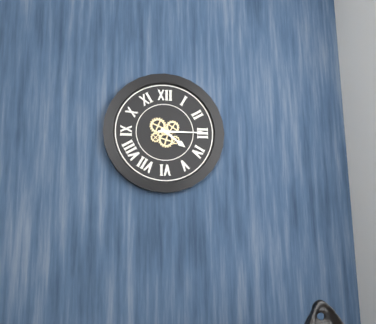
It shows 4,15
